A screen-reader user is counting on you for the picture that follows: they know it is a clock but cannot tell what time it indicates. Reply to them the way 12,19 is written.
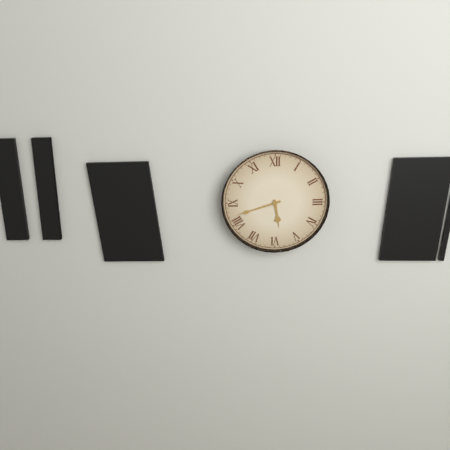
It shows 5,42
